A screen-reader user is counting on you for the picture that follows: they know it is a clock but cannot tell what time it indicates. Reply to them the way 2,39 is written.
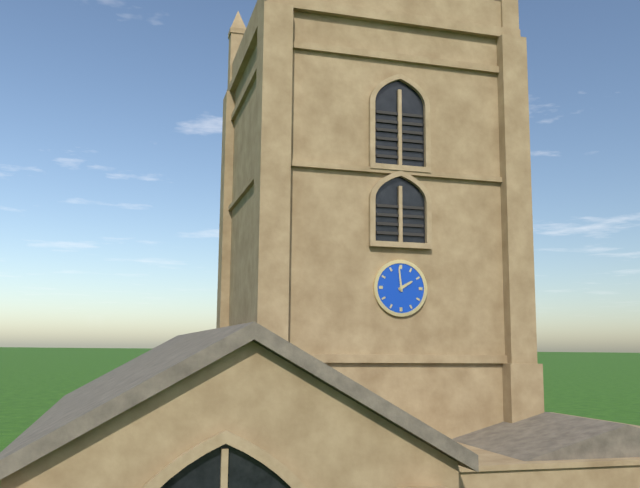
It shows 1,59
